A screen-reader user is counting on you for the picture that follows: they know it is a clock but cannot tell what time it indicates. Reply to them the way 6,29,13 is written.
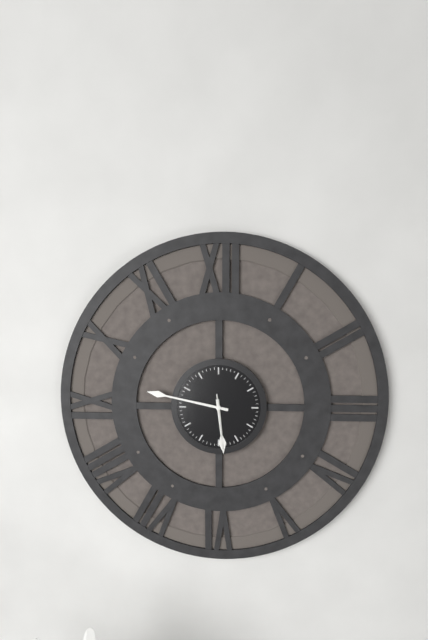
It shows 5,47,29
